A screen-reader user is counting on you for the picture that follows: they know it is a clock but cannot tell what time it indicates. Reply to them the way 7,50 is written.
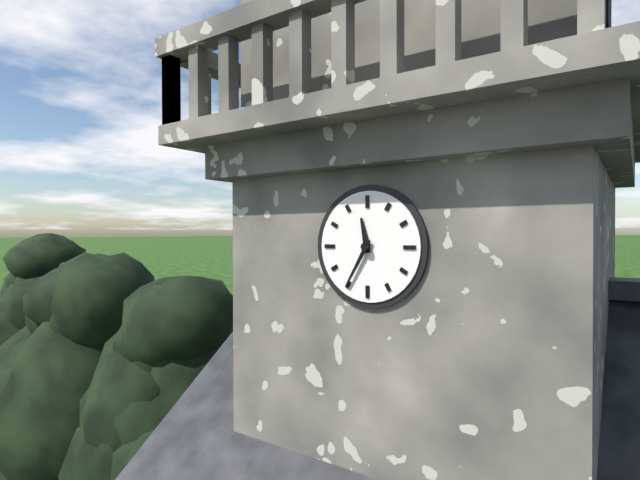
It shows 11,35
